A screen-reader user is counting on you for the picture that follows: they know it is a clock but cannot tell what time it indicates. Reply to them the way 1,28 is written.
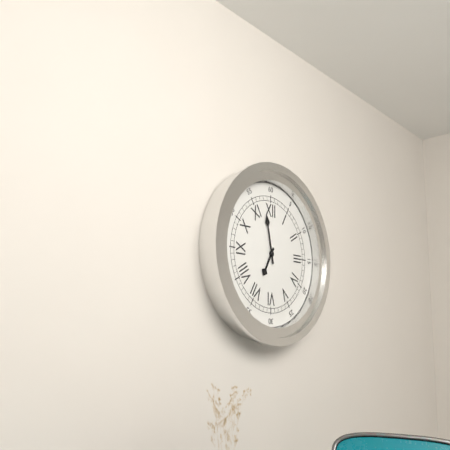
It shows 6,58
